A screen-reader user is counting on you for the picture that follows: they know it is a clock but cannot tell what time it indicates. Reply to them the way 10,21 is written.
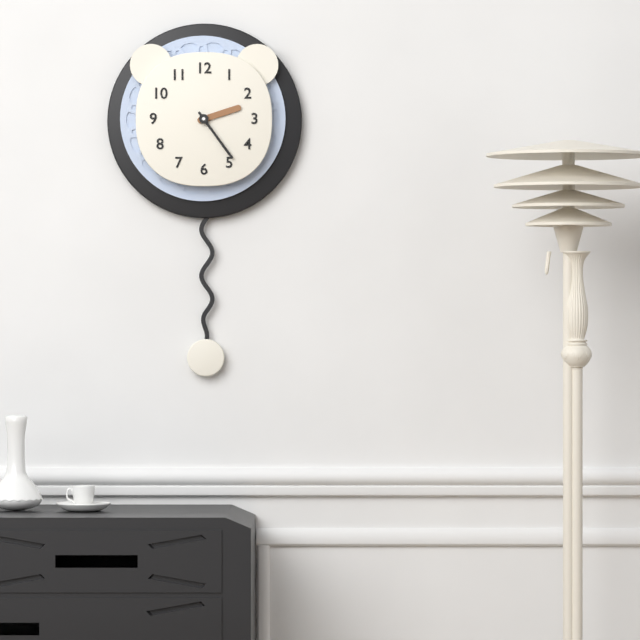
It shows 2,24
